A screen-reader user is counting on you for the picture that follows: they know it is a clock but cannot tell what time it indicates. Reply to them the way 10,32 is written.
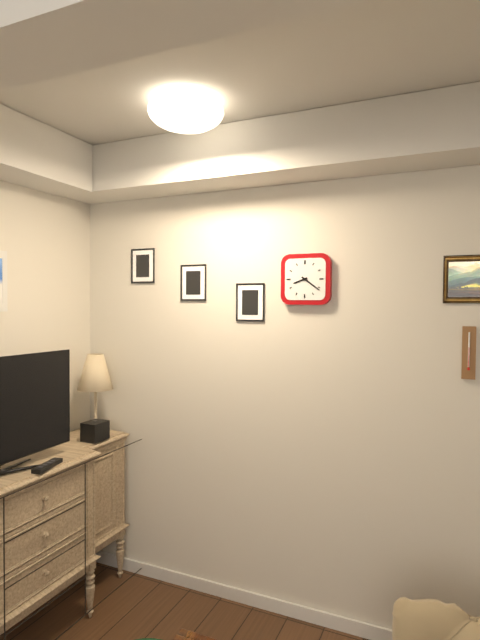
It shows 8,21
